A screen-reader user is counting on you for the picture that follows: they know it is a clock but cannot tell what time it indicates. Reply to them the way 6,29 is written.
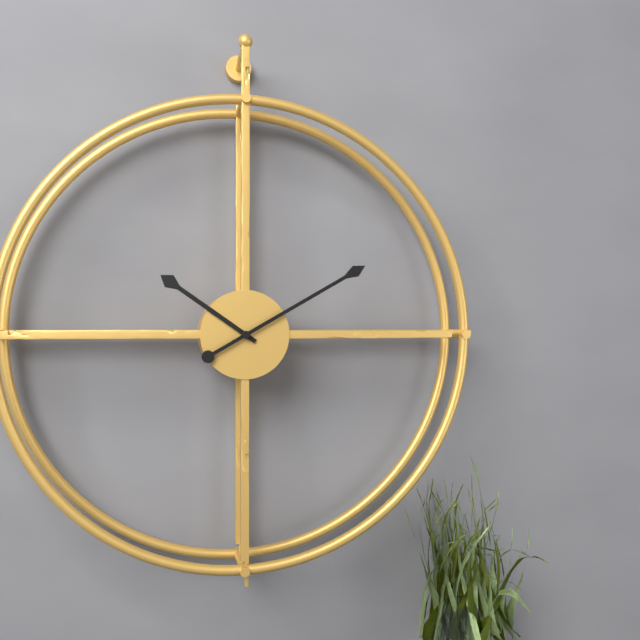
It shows 10,10
